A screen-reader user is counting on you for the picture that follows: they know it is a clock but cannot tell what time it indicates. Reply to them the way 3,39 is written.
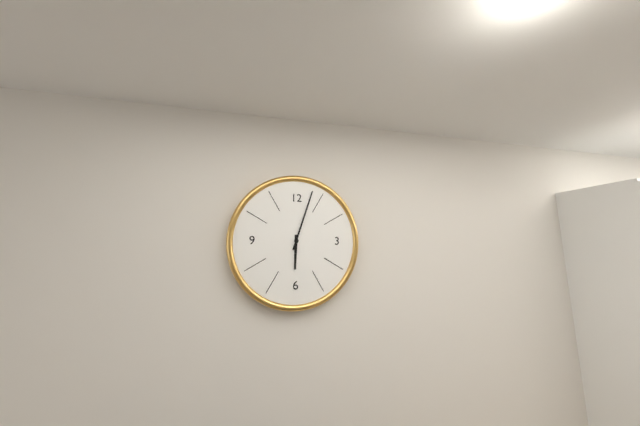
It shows 6,03
